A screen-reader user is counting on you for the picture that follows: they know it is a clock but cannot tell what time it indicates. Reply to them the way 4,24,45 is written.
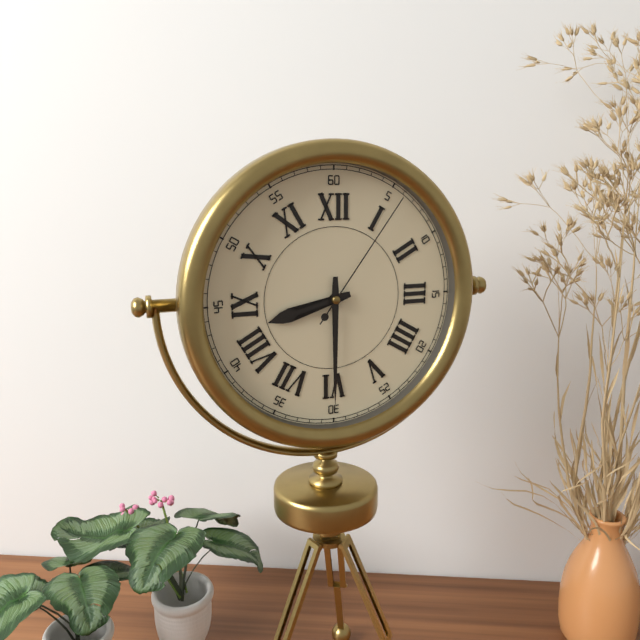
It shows 8,30,06
